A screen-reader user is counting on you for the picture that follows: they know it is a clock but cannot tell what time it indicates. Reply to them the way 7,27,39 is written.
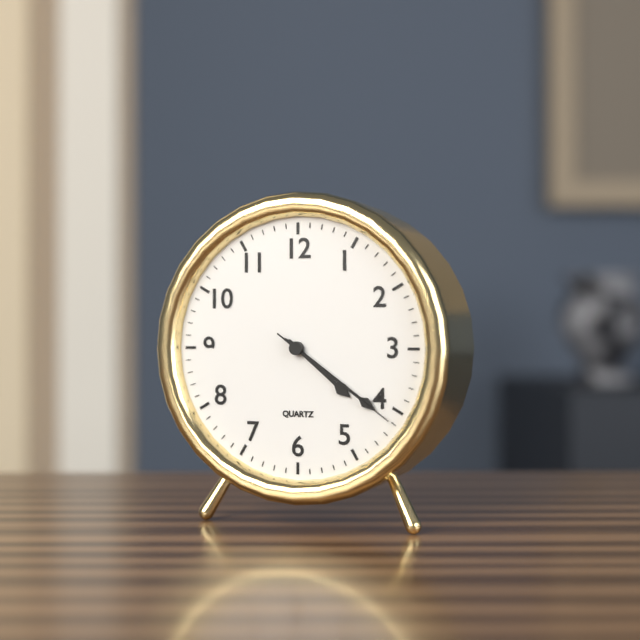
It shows 4,21,21
